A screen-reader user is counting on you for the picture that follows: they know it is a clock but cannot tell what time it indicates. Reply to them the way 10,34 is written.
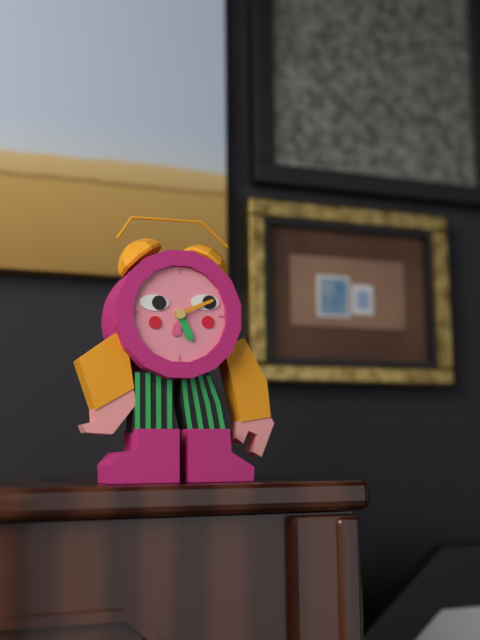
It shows 5,11
